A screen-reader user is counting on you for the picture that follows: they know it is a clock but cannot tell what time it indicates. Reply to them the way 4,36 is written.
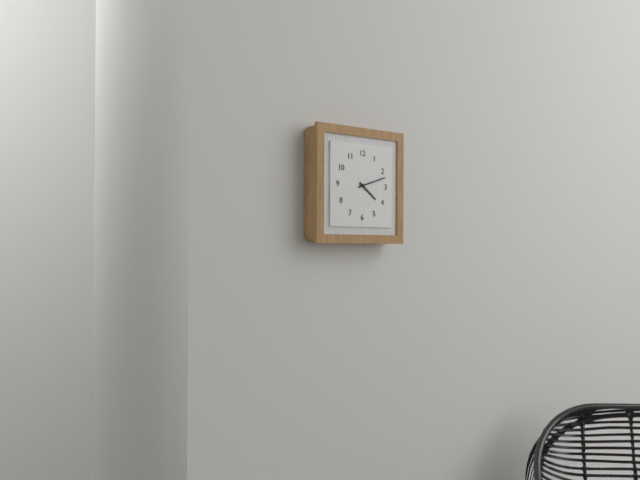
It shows 4,12
